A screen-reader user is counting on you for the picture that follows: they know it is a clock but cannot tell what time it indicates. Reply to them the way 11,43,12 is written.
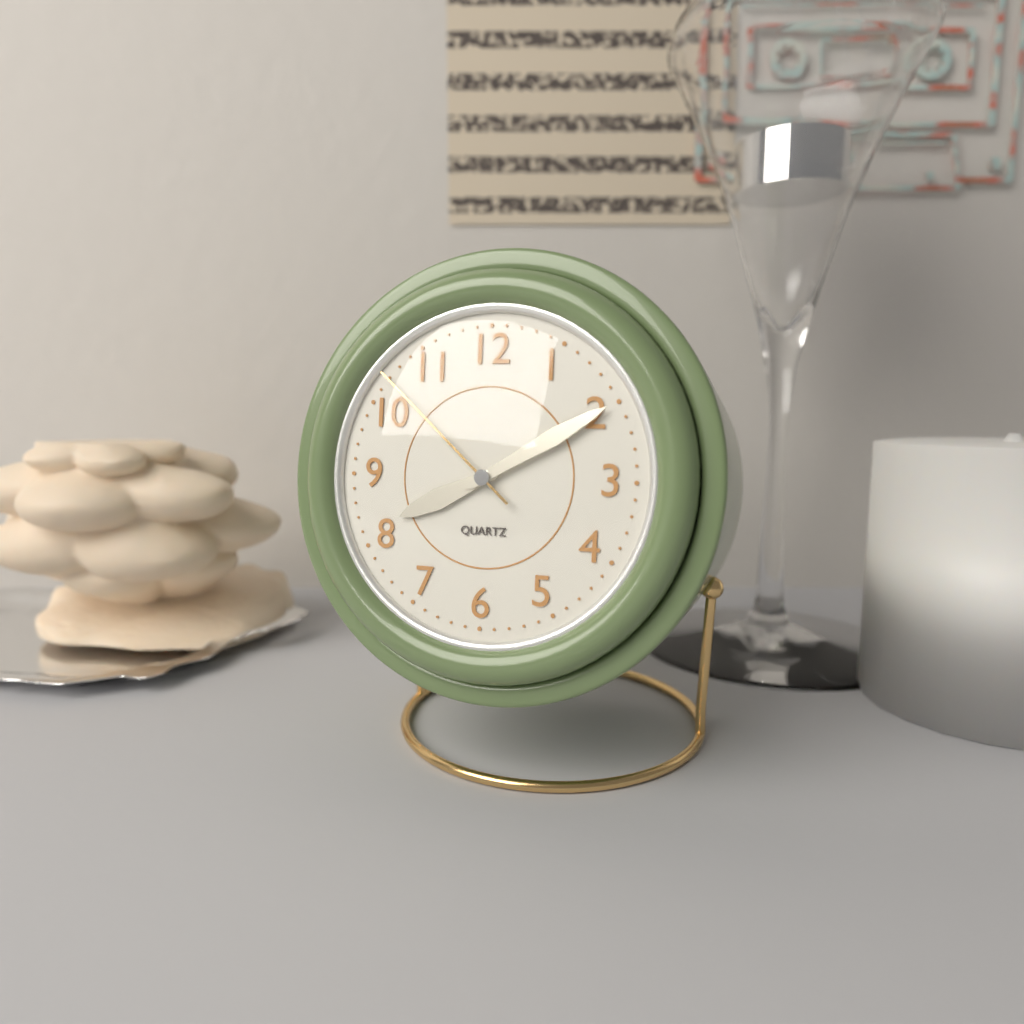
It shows 8,10,52
